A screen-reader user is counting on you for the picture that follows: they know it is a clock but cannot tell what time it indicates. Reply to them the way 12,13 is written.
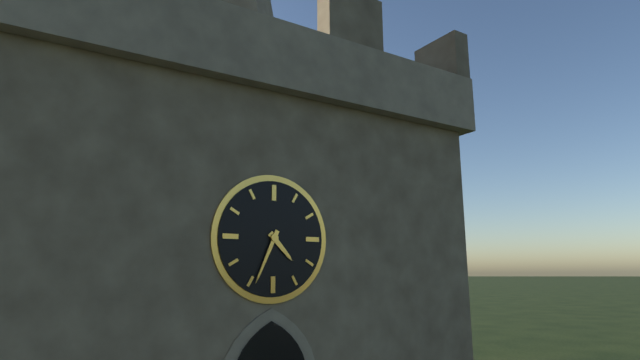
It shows 4,34
